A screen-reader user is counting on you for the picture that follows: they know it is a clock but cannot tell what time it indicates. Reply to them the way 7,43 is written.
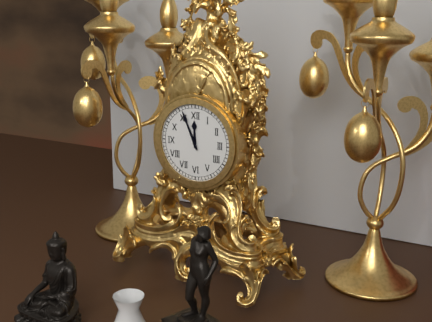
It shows 11,56
